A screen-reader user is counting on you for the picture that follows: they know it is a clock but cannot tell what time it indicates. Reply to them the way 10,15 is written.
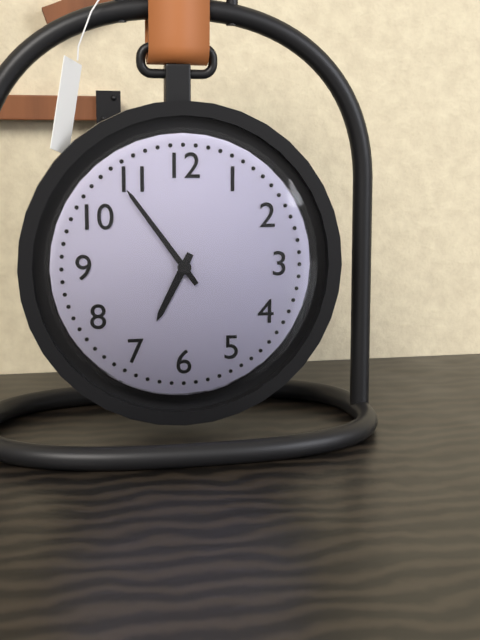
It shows 6,54
